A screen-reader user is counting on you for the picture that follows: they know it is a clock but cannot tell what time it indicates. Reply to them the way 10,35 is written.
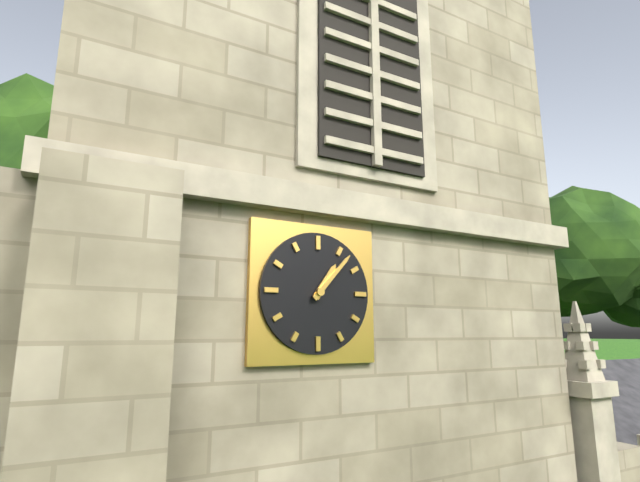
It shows 1,07
